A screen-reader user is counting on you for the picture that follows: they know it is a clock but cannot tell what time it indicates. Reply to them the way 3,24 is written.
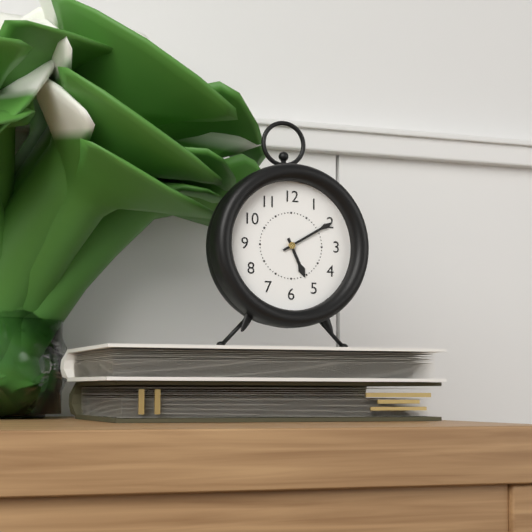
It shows 5,10
